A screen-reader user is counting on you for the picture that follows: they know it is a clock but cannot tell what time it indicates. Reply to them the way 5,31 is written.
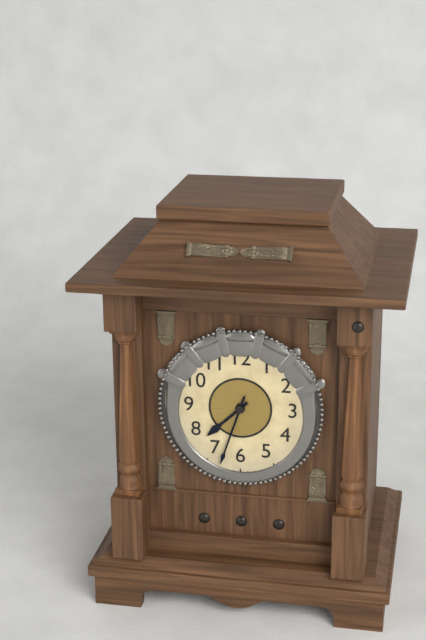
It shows 7,33
